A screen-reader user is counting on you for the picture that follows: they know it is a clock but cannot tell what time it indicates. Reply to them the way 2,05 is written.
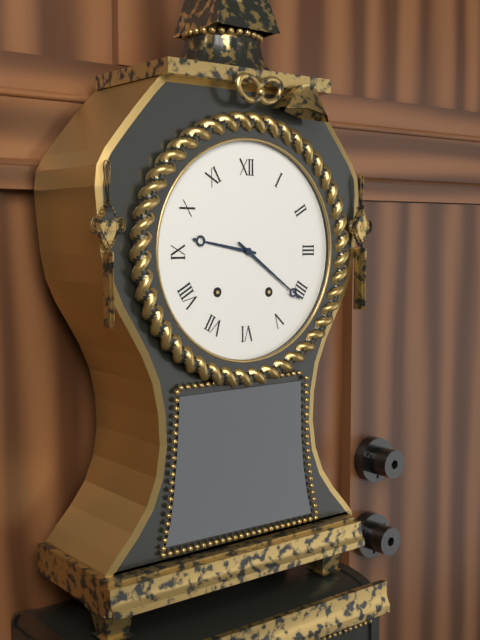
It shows 9,21
